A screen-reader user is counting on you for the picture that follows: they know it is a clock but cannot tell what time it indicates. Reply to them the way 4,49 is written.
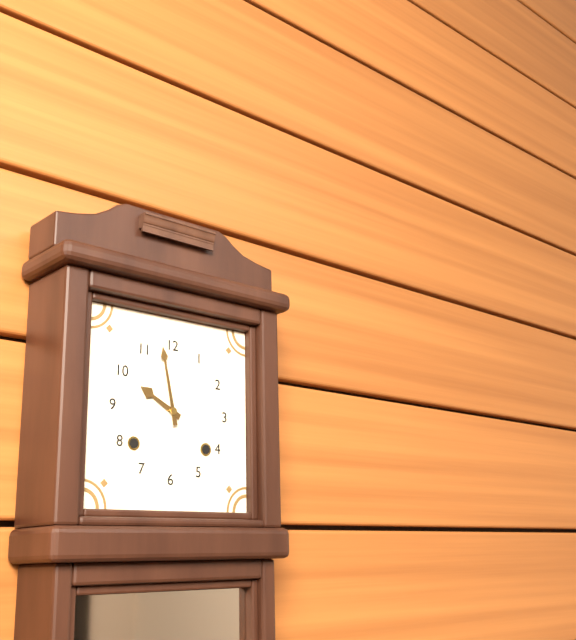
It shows 9,58
